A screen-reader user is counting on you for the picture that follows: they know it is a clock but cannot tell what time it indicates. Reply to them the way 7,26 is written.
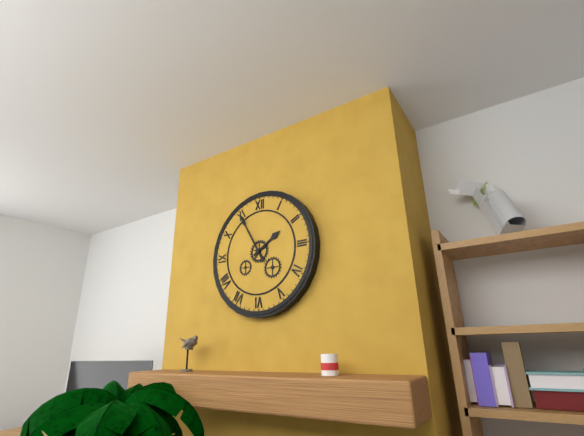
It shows 1,55
